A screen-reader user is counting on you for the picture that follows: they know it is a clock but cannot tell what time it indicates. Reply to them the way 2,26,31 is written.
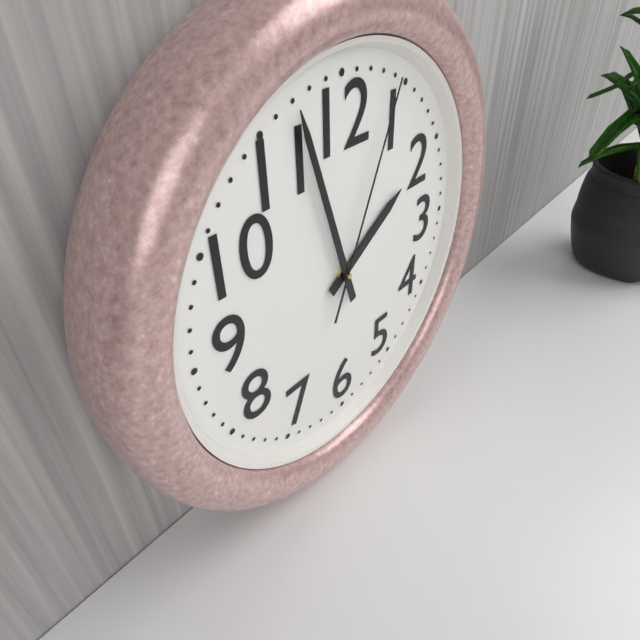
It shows 1,57,04
